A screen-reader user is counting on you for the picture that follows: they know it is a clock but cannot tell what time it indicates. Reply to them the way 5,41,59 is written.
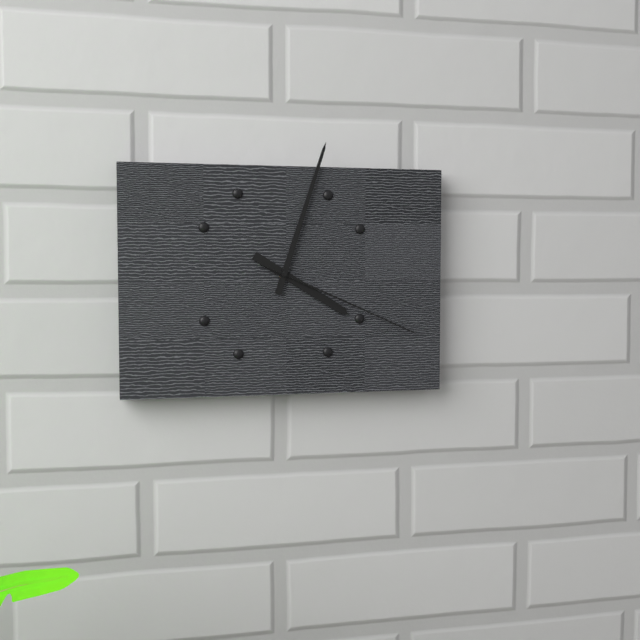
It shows 4,03,19
